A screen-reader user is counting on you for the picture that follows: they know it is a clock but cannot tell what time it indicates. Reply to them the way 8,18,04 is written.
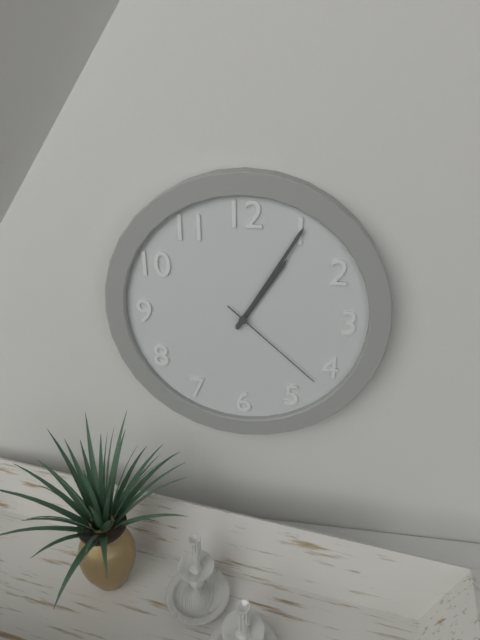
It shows 1,05,22
